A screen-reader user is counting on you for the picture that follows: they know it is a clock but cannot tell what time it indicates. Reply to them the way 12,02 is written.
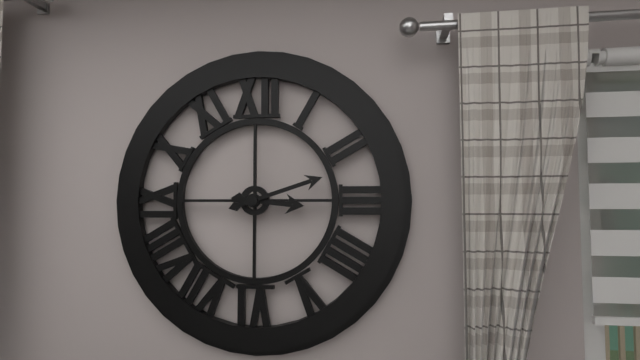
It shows 3,12
